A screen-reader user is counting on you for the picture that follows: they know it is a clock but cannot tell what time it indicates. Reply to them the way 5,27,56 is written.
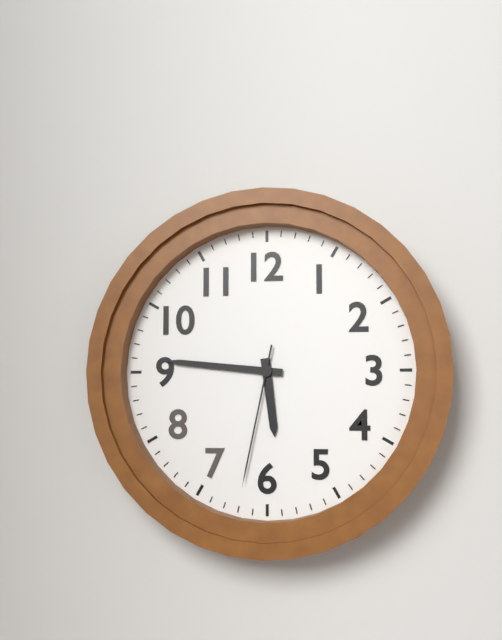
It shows 5,46,32
